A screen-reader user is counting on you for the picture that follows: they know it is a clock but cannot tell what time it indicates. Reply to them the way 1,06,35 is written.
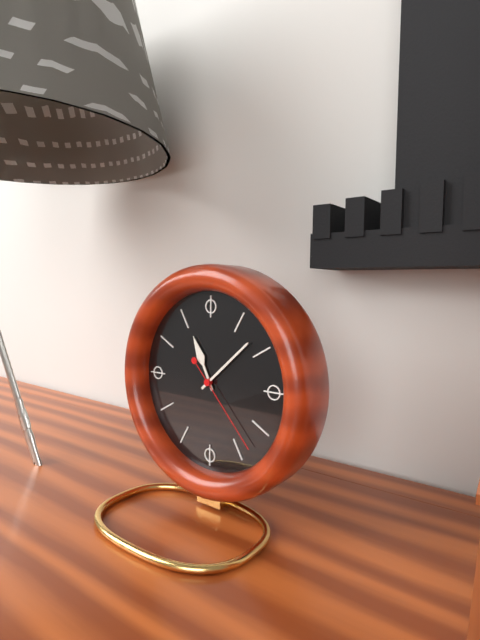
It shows 11,08,23
